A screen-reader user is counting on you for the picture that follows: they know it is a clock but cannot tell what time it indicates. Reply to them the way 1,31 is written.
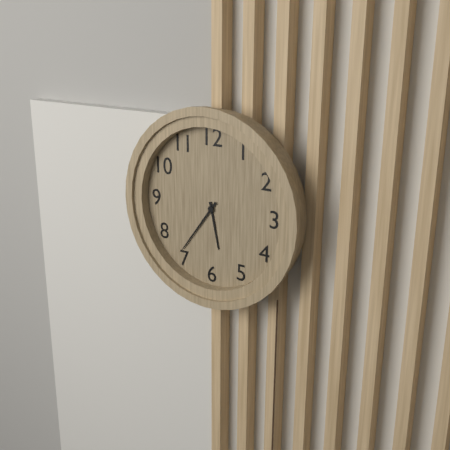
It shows 5,36
